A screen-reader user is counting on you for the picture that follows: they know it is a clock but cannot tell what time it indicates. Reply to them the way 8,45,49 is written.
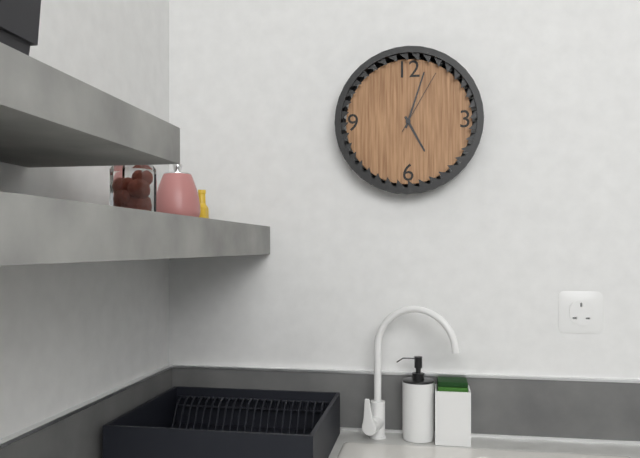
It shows 5,03,05
